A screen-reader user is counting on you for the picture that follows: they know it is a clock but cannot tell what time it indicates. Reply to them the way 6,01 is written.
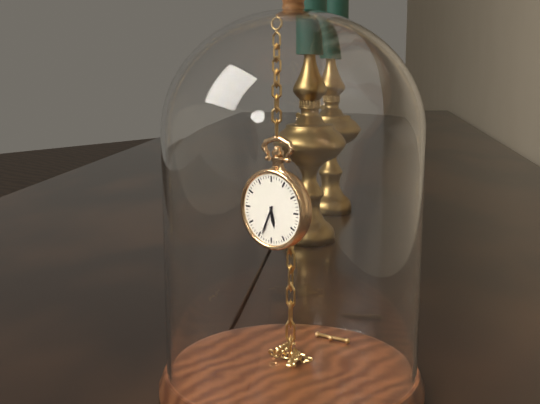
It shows 5,34
